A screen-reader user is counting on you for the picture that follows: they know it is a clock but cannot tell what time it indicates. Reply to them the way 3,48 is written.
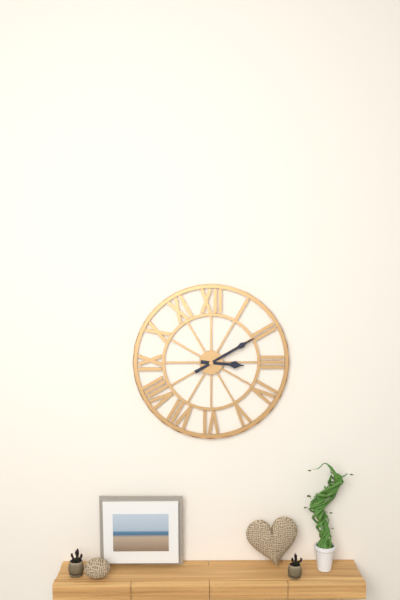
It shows 3,10
